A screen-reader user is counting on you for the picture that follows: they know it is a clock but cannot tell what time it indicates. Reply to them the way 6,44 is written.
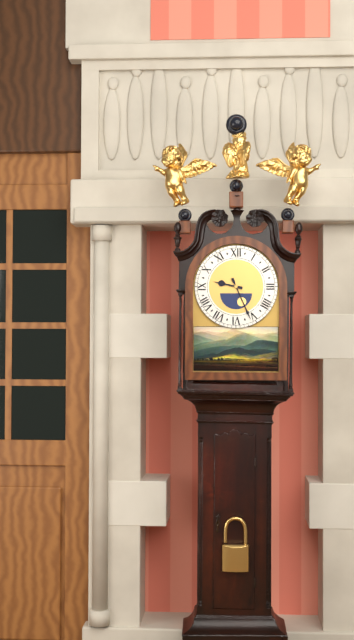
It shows 9,26
